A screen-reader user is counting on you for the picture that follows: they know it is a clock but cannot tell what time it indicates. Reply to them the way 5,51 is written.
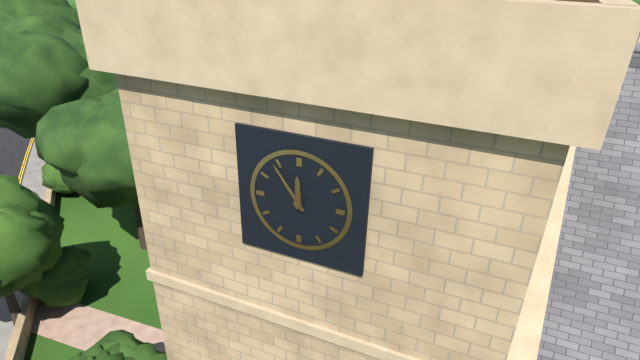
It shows 11,54
